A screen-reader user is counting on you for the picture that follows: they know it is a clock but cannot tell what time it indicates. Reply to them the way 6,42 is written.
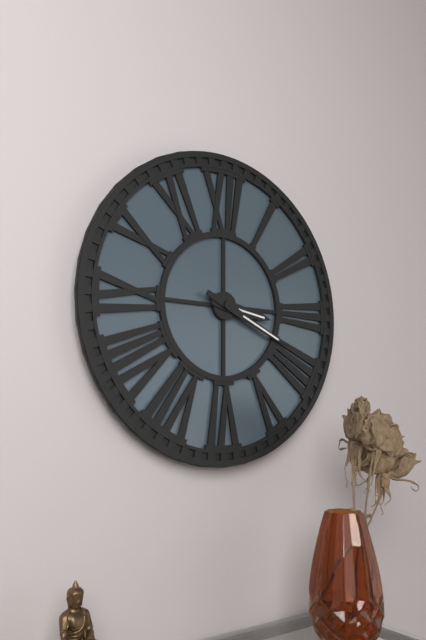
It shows 3,19
